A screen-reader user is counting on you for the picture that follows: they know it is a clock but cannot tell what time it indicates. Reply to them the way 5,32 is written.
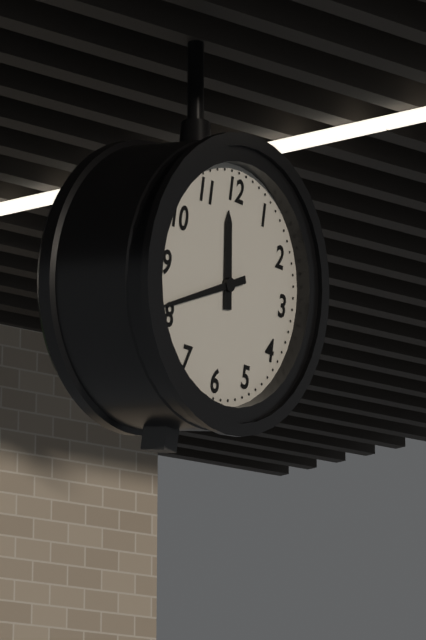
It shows 11,41
